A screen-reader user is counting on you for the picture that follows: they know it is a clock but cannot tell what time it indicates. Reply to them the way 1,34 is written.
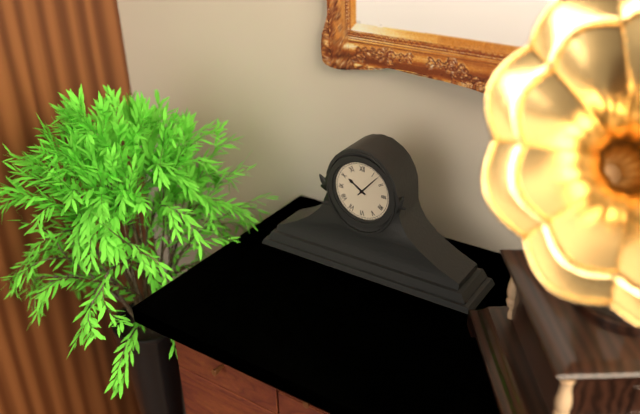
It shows 10,07
